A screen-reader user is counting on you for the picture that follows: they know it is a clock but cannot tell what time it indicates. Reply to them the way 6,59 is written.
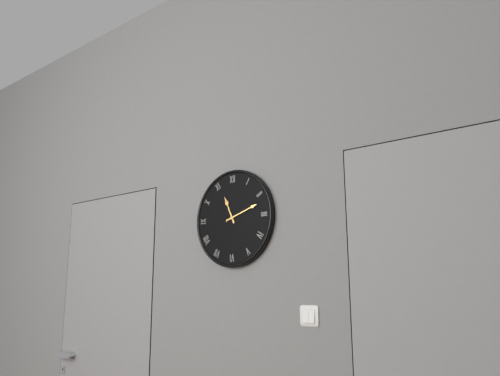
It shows 11,12
